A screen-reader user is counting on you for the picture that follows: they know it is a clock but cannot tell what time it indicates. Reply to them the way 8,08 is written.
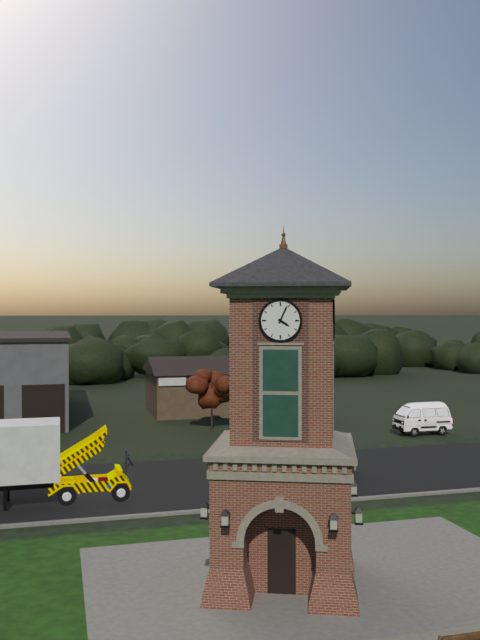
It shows 4,04
